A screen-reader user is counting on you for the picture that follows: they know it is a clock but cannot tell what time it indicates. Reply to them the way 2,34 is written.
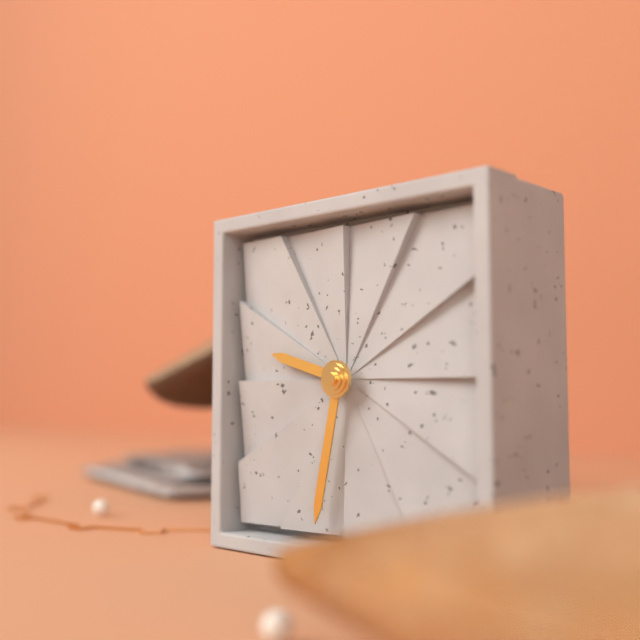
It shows 9,32
